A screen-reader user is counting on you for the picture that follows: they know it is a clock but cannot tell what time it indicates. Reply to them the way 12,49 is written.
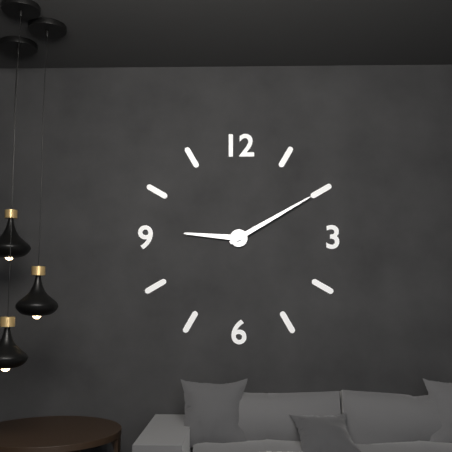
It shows 9,10
